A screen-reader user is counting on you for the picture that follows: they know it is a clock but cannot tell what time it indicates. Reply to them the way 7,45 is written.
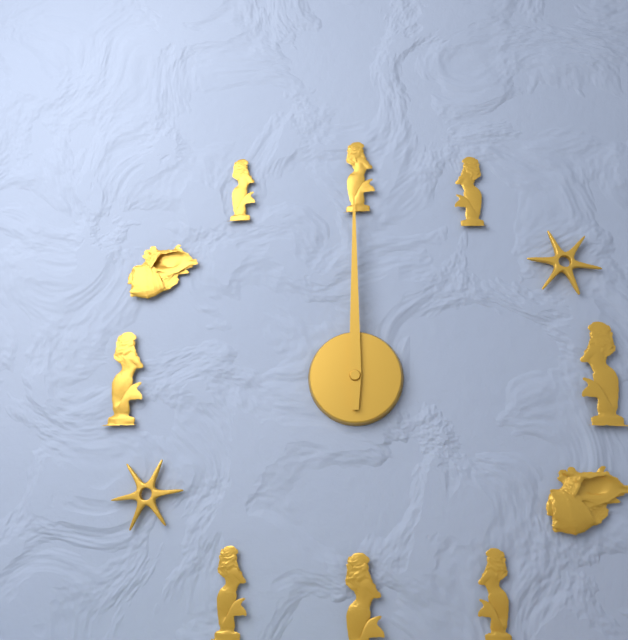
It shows 12,00
